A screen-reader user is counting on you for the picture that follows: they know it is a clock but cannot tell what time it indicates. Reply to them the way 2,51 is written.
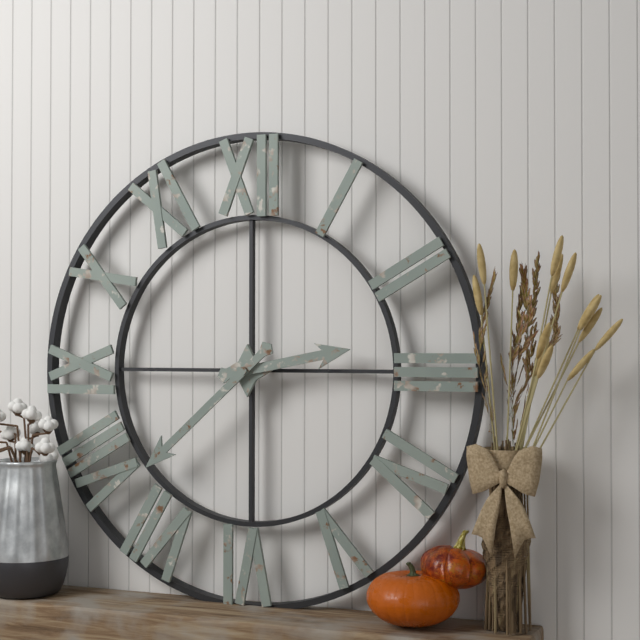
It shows 2,38
